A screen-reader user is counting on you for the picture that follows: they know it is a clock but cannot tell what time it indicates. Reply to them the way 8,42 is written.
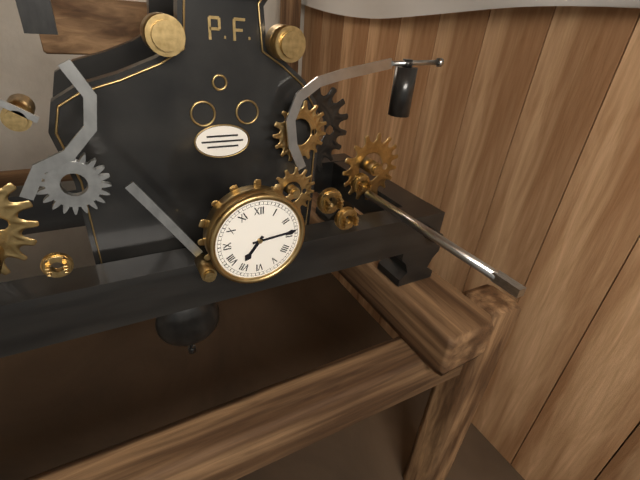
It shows 7,14
